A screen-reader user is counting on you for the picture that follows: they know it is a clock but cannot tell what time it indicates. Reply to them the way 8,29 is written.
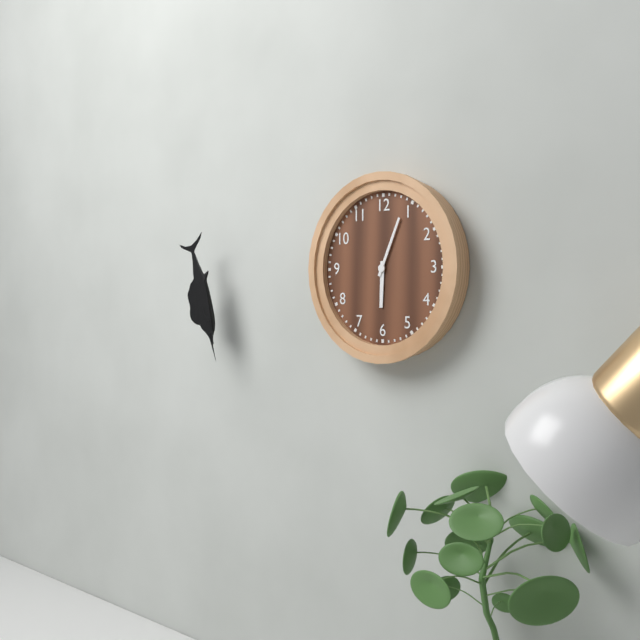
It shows 6,04
